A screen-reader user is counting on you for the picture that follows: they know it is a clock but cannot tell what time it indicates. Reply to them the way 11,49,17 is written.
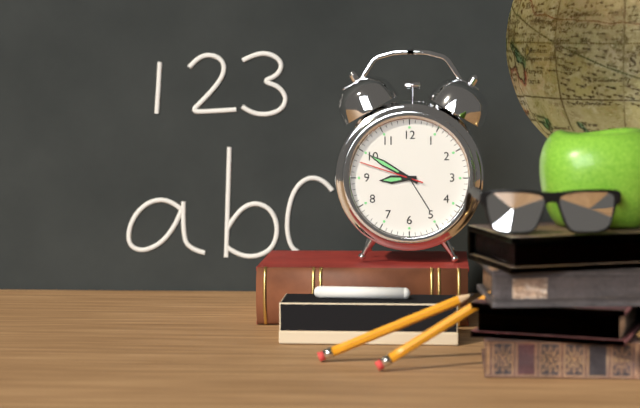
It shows 8,50,48
